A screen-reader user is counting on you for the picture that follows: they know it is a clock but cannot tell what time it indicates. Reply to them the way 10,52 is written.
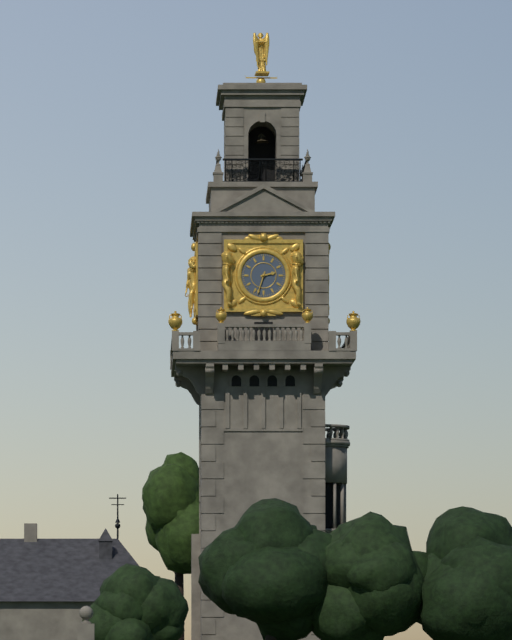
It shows 2,33
